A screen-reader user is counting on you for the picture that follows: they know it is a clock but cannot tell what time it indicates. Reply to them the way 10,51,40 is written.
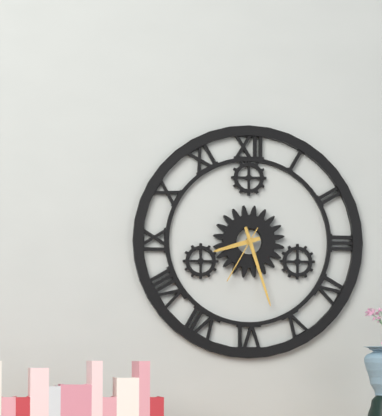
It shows 8,27,35
